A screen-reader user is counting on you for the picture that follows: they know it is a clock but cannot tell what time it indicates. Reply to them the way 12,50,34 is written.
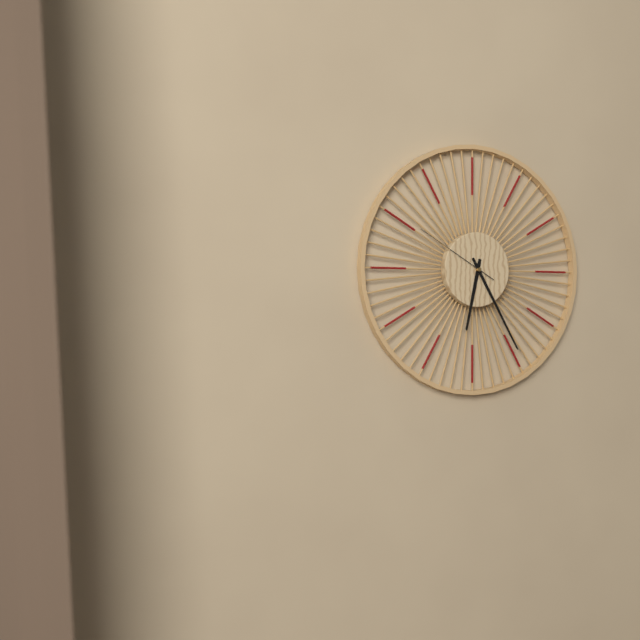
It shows 6,25,50
